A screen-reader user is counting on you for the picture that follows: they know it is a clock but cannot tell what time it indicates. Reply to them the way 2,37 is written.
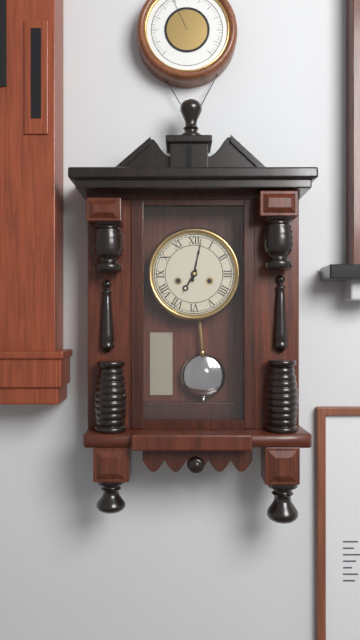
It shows 7,02
